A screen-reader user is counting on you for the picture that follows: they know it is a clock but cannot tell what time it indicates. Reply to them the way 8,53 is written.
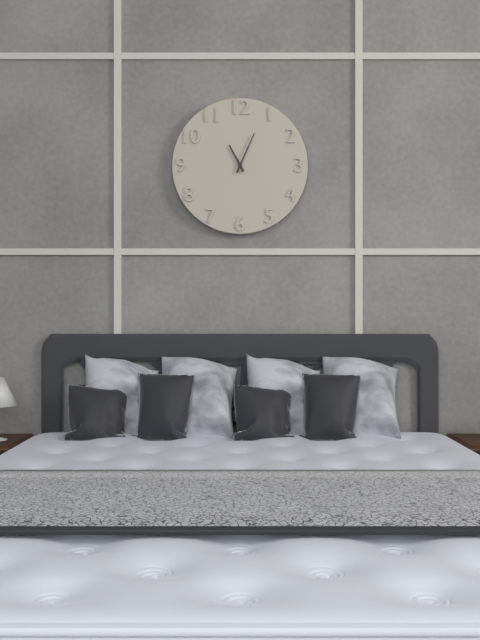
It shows 11,04
